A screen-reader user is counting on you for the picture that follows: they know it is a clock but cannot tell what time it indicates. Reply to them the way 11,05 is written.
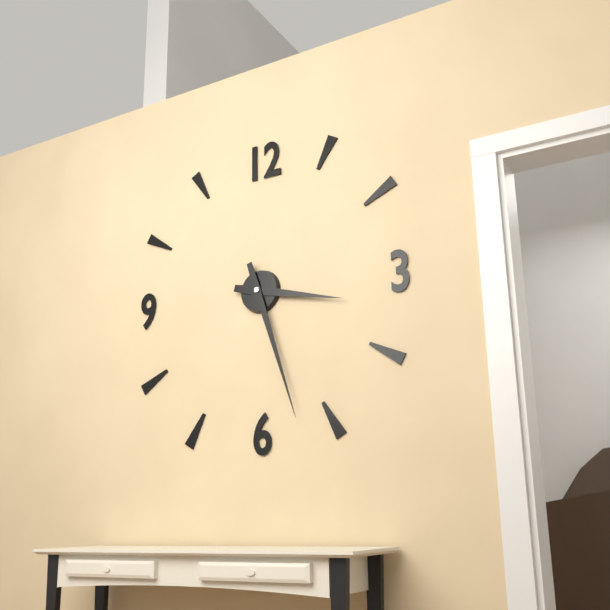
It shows 3,27
